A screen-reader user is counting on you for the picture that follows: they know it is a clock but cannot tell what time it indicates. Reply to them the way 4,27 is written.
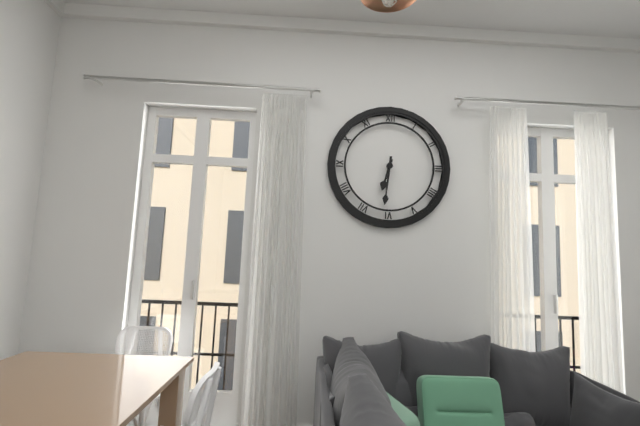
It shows 6,31
